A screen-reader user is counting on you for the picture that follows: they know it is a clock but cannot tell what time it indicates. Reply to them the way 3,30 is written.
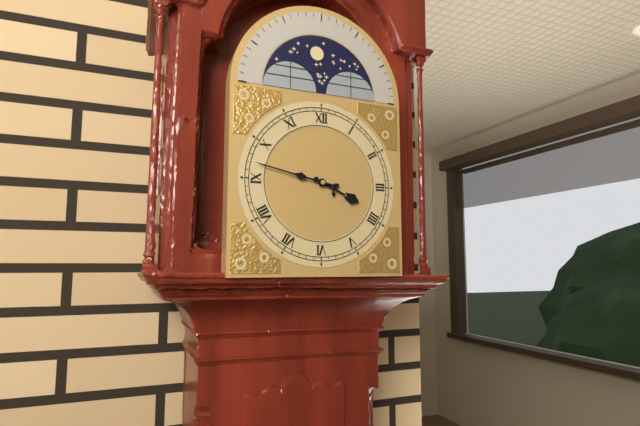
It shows 3,47
